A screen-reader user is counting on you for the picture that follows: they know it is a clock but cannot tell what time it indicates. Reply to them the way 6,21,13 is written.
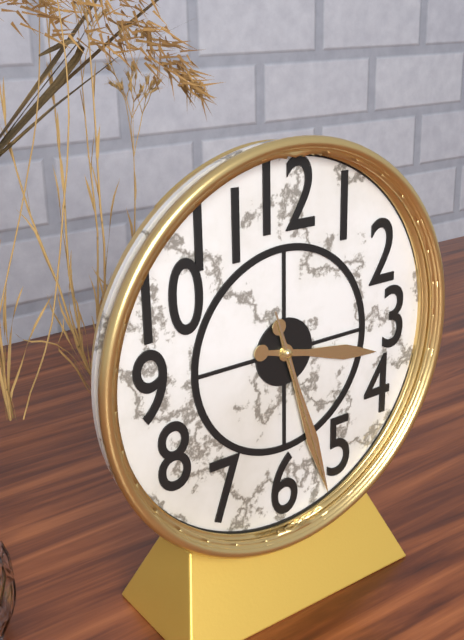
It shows 3,27,27
